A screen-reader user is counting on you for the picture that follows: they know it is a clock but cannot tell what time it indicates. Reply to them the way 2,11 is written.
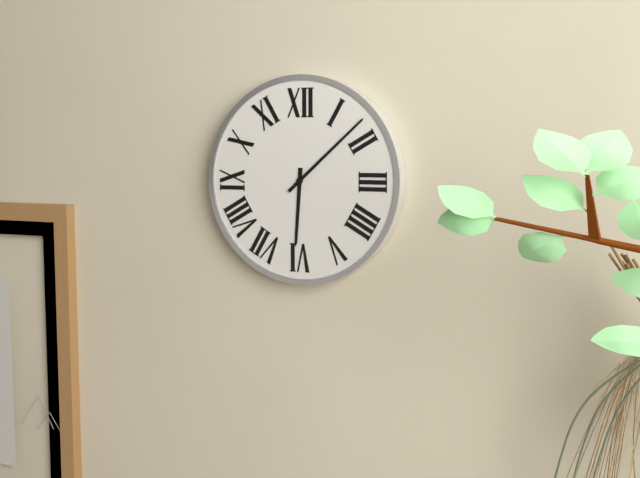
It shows 6,08
